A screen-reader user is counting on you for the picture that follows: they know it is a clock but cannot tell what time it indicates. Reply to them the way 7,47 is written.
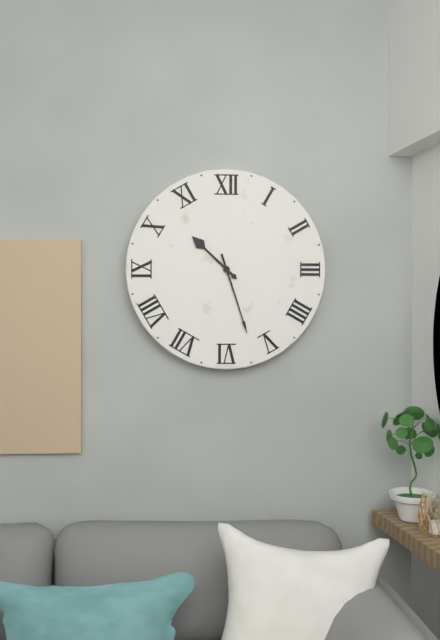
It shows 10,27
